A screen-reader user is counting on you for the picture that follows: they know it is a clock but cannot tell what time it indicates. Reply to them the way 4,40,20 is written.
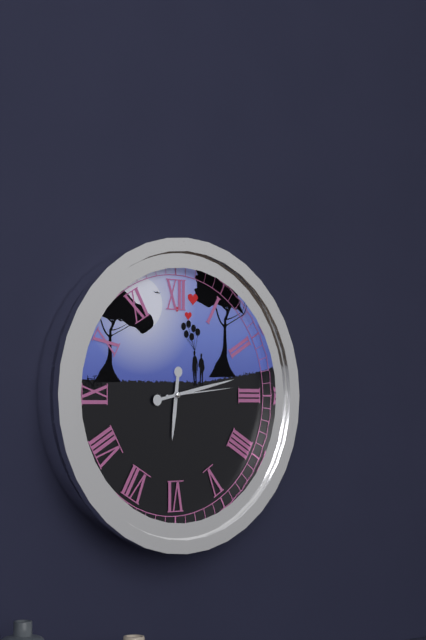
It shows 6,13,14
